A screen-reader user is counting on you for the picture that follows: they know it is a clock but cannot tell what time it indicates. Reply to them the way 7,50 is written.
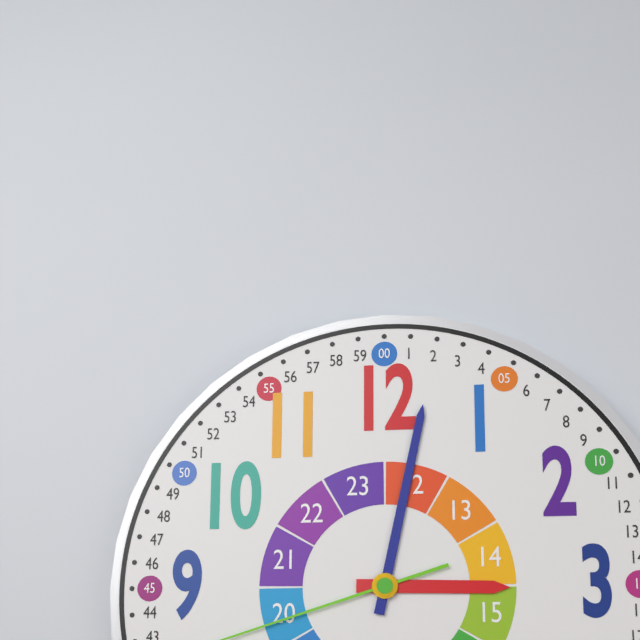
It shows 3,02
